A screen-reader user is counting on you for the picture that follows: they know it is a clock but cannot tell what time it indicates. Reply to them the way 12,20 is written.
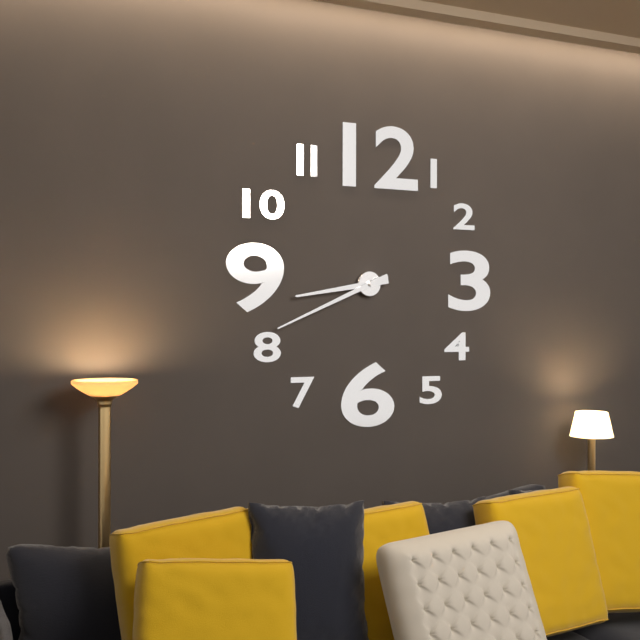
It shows 8,41
